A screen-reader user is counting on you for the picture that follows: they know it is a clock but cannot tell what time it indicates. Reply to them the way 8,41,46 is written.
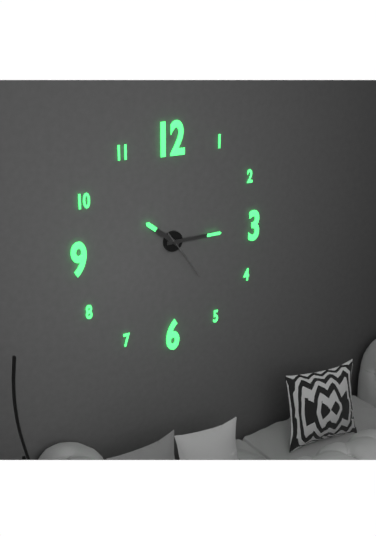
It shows 10,15,24
